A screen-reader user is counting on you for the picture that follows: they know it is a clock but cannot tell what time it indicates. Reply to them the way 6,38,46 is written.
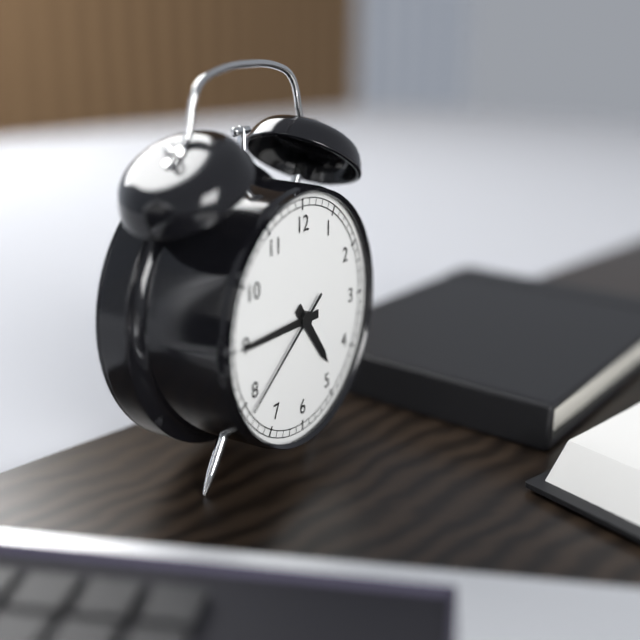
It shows 4,45,39
